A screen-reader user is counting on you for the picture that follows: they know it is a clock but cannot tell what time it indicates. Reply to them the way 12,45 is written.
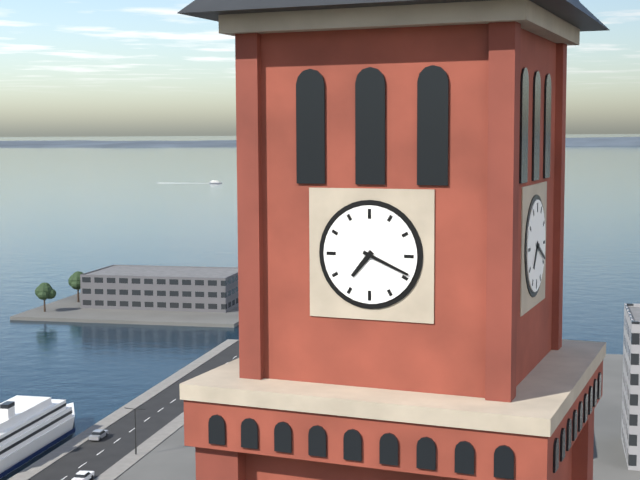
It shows 7,19
